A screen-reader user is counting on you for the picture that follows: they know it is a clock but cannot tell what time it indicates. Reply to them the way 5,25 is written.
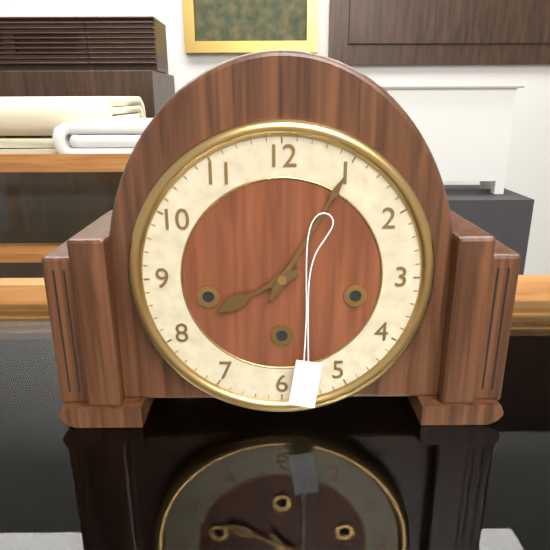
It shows 8,05
